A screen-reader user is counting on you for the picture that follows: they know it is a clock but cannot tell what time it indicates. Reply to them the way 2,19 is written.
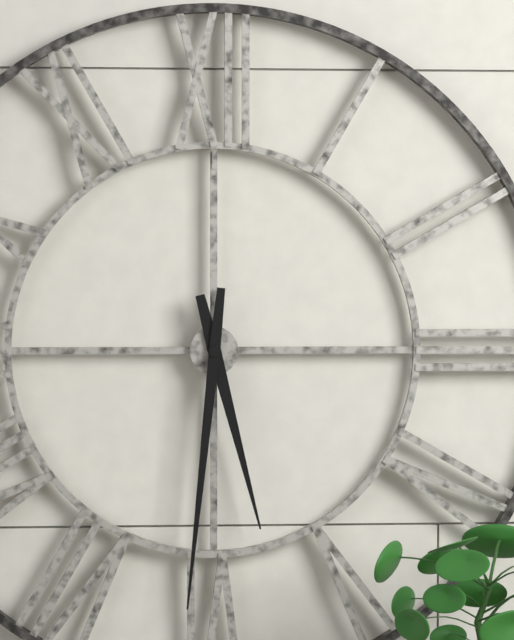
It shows 5,31
